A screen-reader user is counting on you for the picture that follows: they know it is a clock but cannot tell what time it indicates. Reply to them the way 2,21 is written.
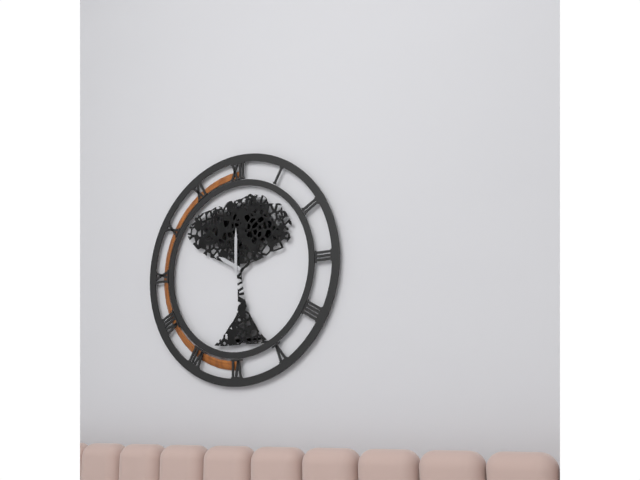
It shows 10,00
